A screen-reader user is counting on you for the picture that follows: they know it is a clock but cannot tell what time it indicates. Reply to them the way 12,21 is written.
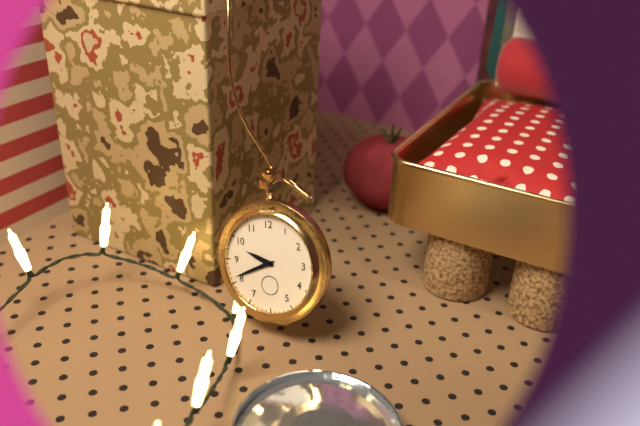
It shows 9,41
